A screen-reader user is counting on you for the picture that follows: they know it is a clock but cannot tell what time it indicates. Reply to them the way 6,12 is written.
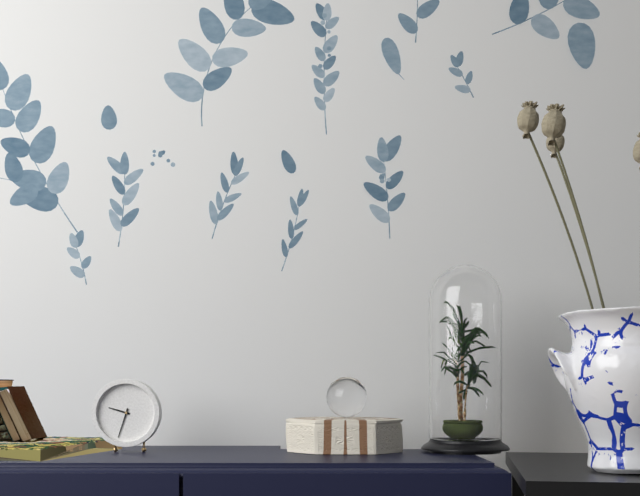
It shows 9,33
